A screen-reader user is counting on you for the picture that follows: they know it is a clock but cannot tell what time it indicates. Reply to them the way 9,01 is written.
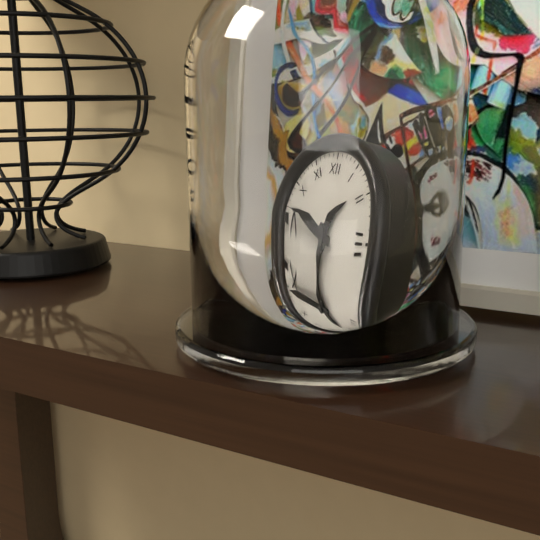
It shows 1,46
